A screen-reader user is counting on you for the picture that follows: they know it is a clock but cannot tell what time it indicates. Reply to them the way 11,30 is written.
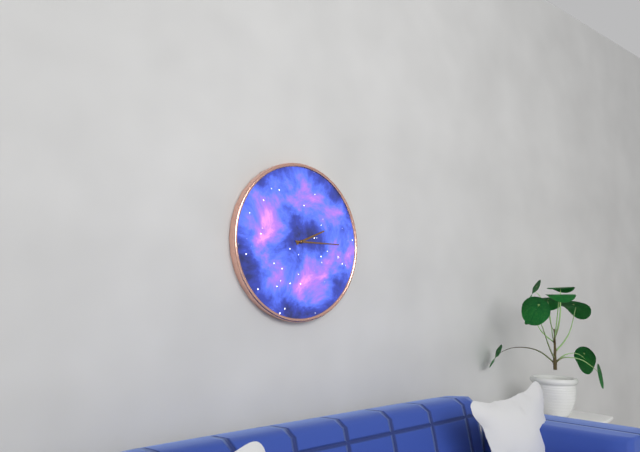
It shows 2,15
